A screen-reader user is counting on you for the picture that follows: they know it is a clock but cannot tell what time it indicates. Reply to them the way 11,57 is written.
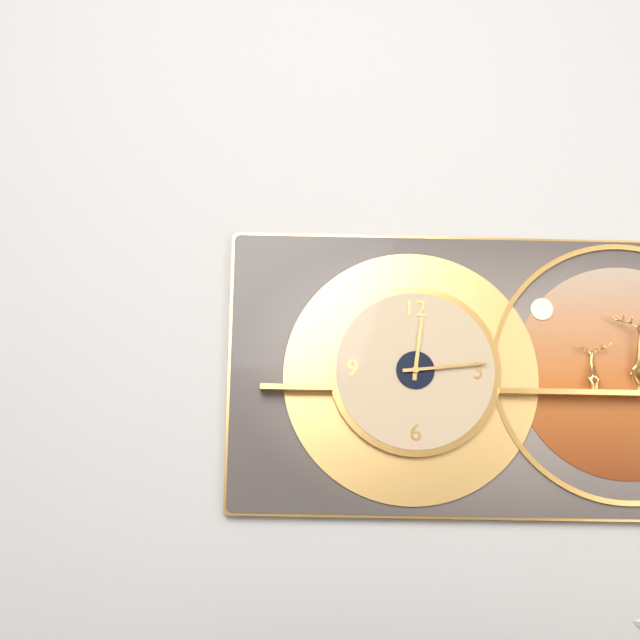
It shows 12,14
